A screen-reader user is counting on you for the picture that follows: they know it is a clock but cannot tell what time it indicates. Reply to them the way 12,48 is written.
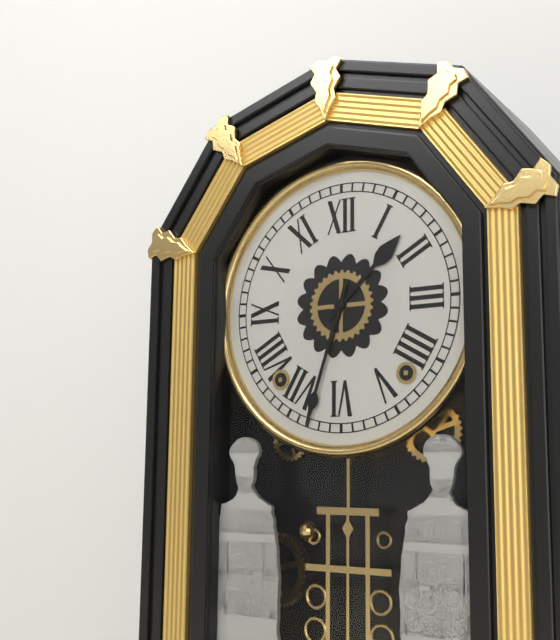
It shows 1,33
